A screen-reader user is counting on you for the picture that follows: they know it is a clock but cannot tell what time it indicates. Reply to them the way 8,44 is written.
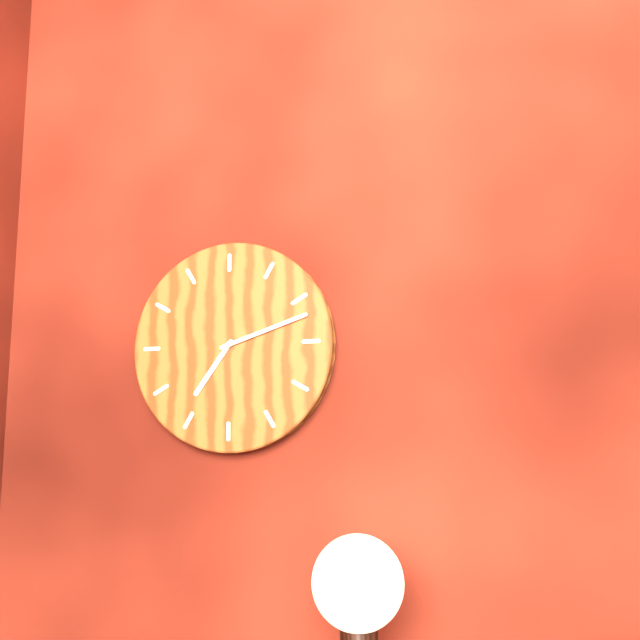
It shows 7,12
